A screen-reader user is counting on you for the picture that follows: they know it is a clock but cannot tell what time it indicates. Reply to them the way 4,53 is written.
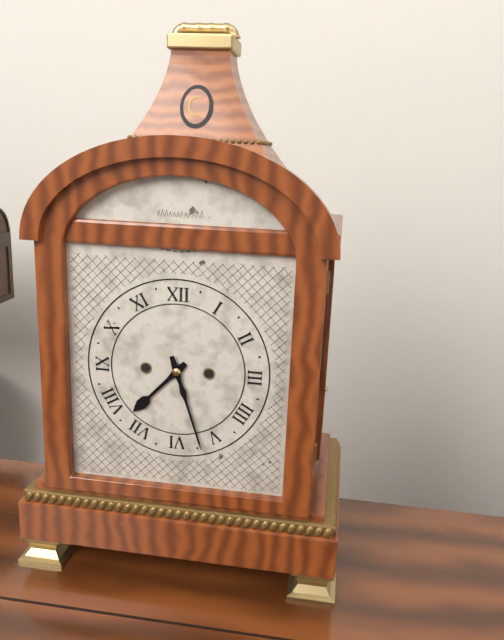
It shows 7,27
